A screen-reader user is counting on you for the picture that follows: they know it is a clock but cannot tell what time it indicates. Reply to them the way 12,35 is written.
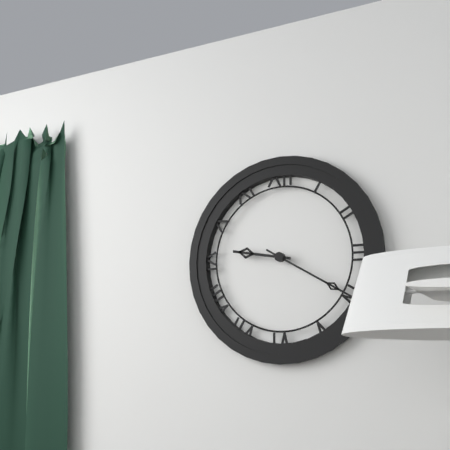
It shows 9,20
